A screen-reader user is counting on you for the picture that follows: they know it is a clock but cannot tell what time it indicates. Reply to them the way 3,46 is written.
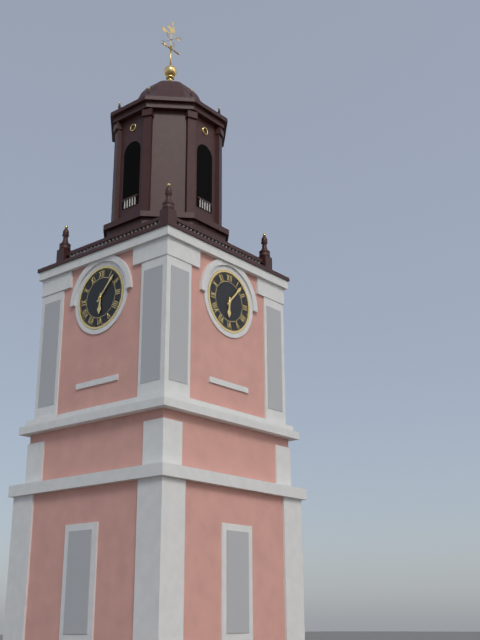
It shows 6,07
